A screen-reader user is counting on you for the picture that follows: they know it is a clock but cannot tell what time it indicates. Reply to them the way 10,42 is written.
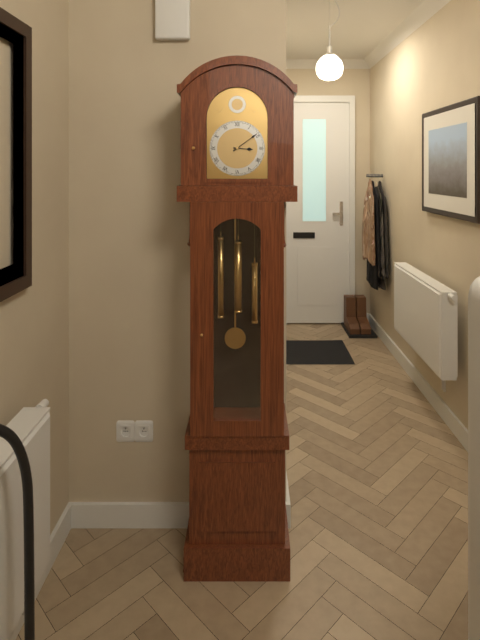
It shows 3,09
